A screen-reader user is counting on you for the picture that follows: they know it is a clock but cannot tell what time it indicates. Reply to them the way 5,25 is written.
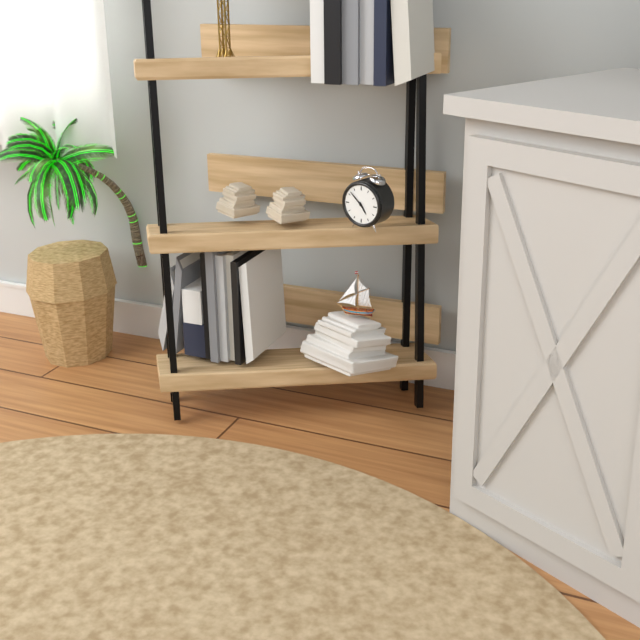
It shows 4,52
